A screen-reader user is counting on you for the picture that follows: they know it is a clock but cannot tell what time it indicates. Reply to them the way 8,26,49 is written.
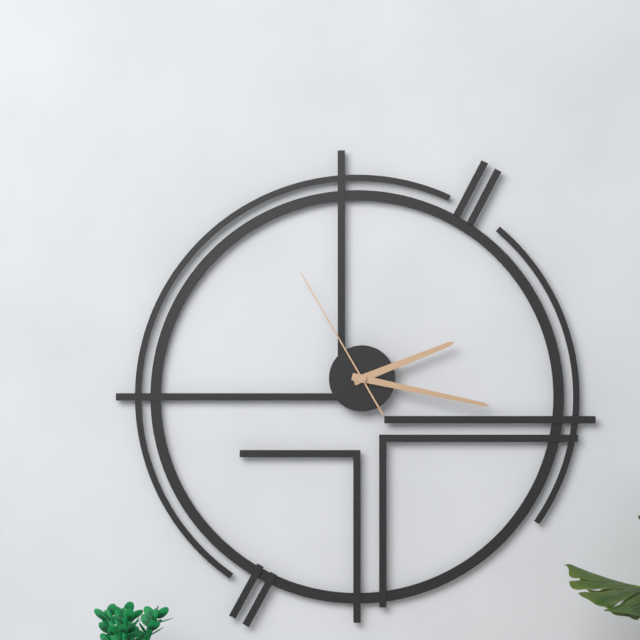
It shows 2,17,55
